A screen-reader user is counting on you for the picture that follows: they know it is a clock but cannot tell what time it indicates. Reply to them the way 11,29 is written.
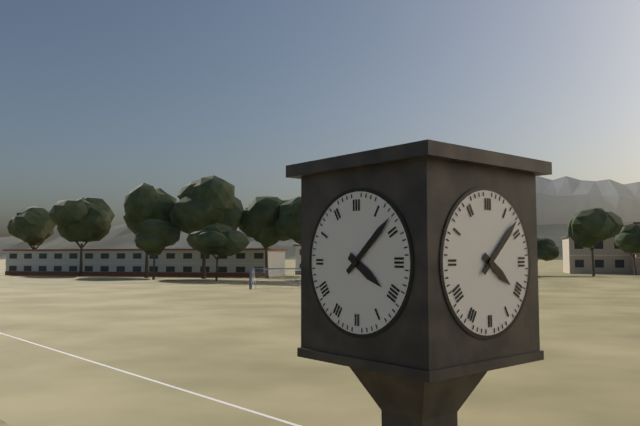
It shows 4,08
